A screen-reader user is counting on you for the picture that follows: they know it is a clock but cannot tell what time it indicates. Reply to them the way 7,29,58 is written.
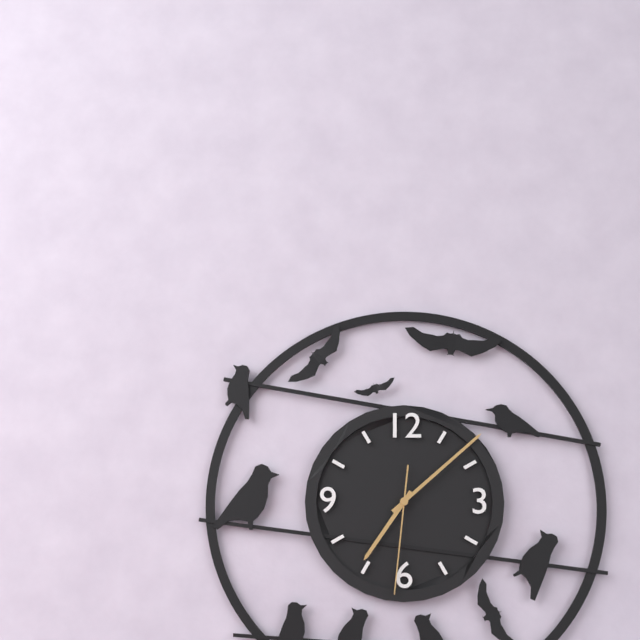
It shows 7,08,31
